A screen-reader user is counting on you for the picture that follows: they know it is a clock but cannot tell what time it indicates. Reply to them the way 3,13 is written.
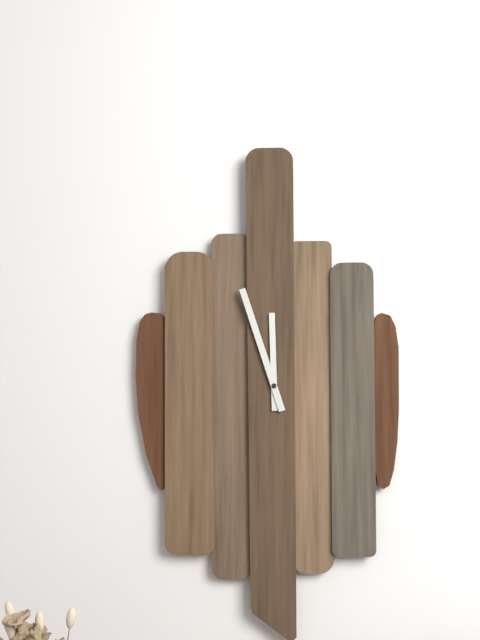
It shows 11,57
